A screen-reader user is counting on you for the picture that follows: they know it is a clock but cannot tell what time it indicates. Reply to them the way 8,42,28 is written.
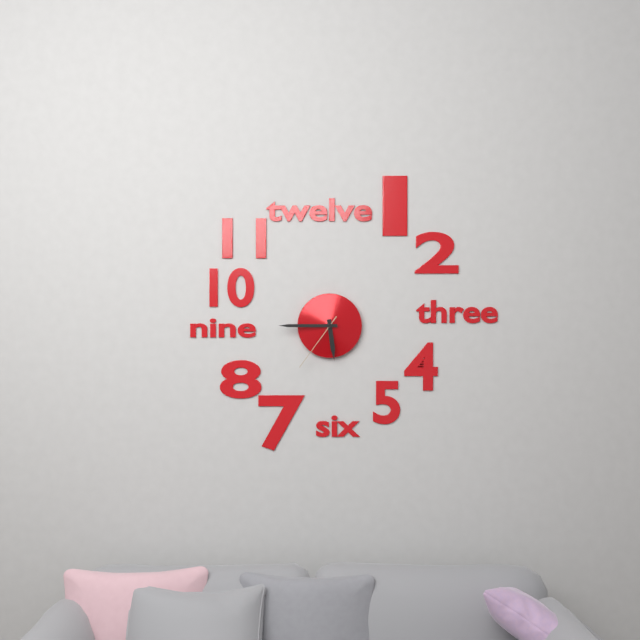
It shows 5,45,36
